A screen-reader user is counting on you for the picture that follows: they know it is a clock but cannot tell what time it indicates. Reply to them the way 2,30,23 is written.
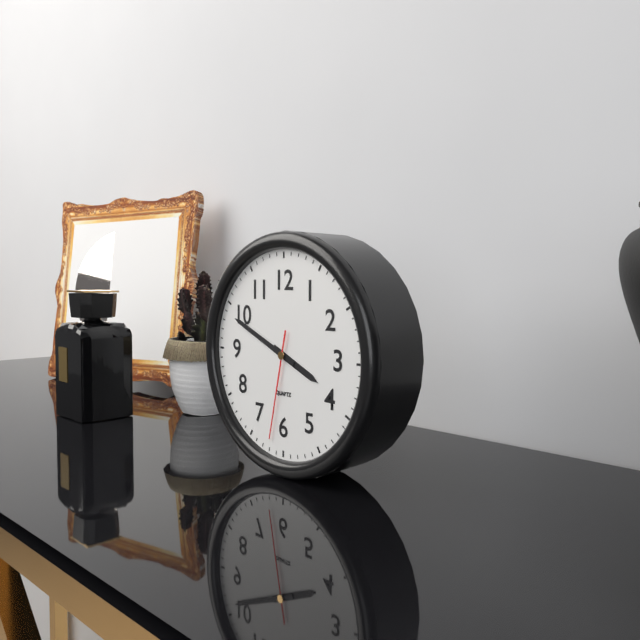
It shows 3,49,32
